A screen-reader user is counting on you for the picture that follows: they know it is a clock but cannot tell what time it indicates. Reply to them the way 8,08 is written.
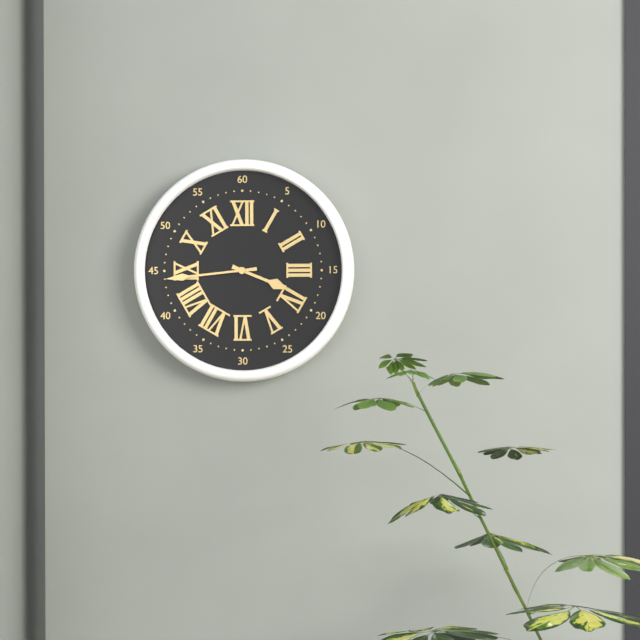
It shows 3,44
